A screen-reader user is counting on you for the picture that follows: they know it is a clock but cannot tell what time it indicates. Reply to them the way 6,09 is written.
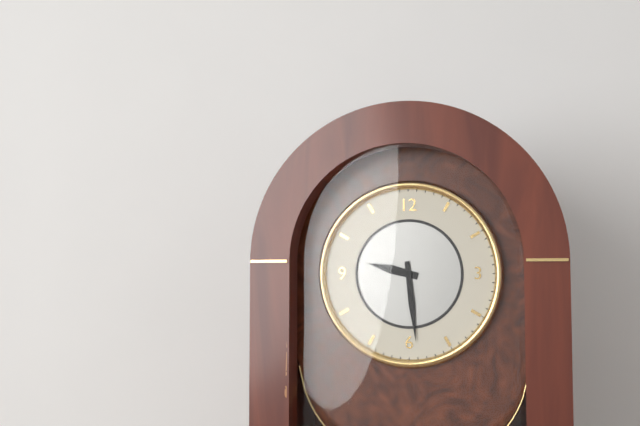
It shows 9,29
